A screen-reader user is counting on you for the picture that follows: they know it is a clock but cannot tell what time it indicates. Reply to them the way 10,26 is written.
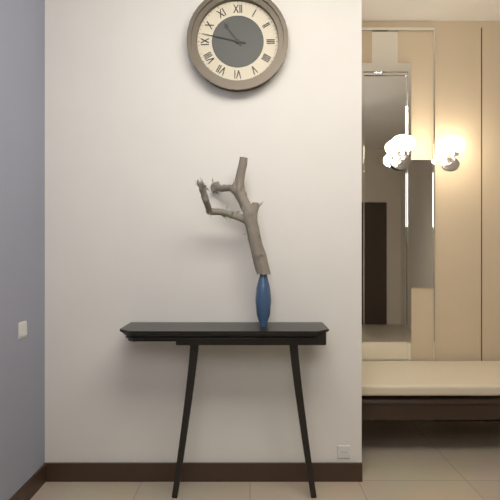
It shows 10,47
